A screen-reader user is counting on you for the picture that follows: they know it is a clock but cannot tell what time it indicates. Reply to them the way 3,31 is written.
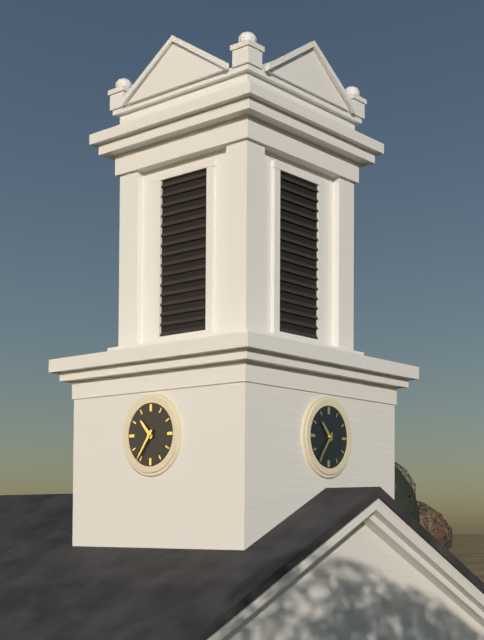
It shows 10,36
